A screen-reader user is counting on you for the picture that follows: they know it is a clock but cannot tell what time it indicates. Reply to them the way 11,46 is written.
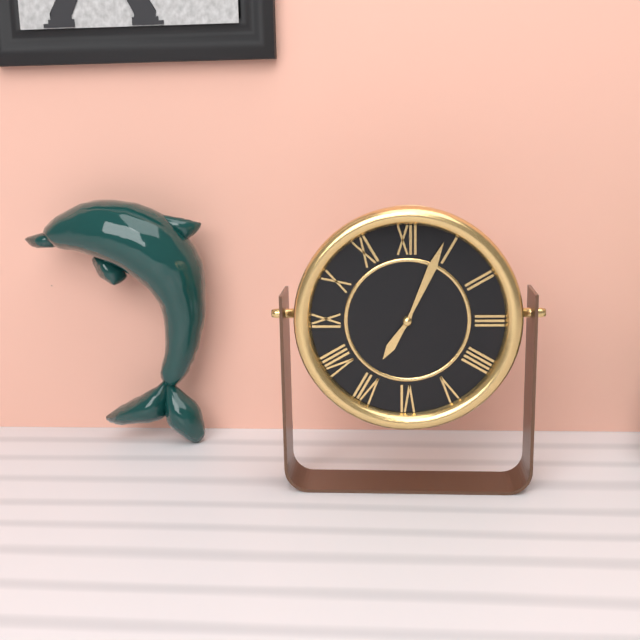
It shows 7,04
